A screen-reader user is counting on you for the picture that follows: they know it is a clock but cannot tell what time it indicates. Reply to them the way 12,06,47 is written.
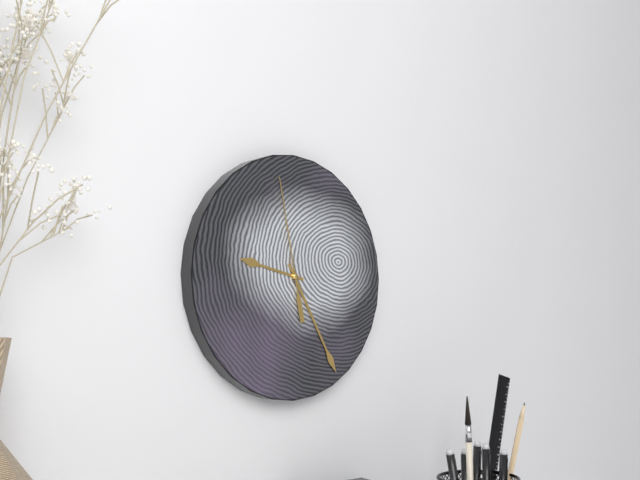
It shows 9,25,58
